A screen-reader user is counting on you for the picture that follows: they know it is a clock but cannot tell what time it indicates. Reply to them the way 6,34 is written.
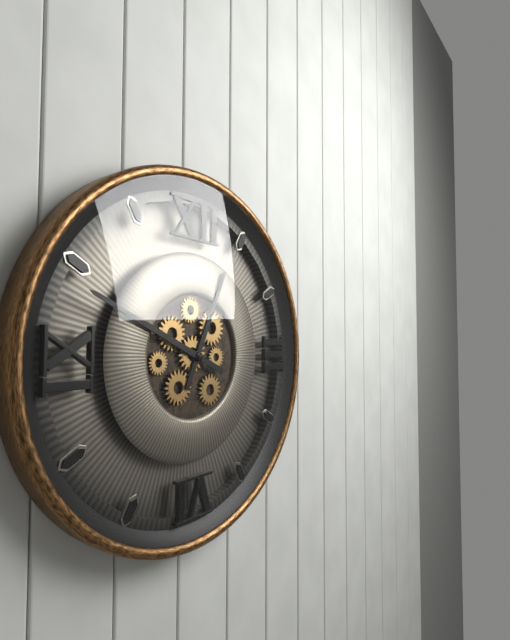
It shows 12,49
